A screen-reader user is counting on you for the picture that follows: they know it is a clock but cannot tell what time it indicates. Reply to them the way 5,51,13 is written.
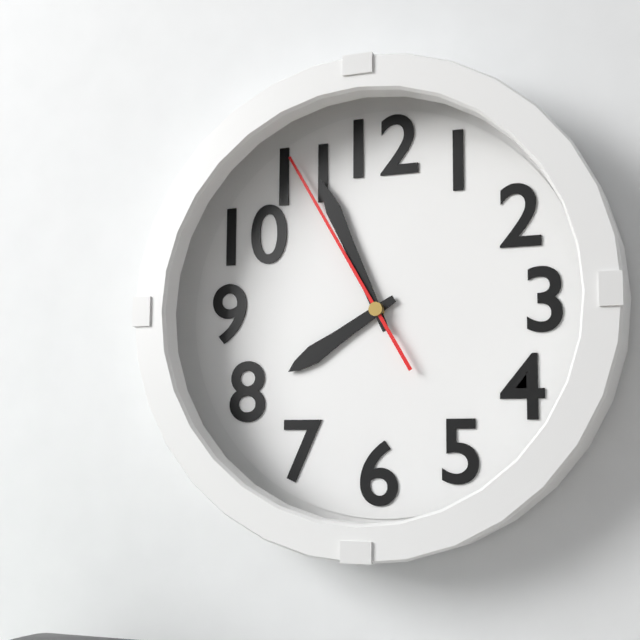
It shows 7,56,55
